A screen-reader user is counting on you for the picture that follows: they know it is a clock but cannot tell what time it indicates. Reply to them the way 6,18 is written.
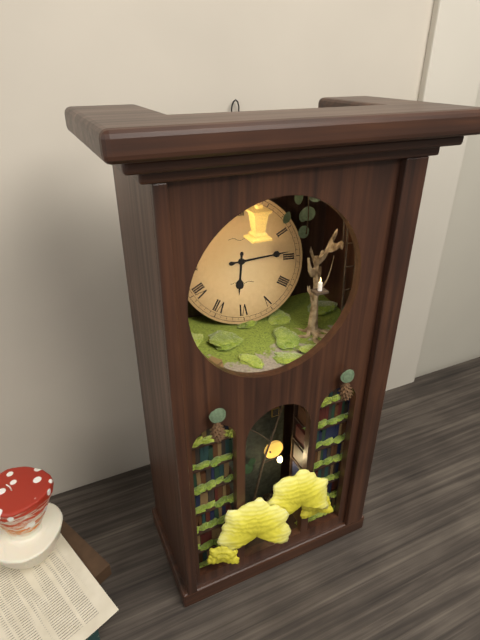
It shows 6,14
